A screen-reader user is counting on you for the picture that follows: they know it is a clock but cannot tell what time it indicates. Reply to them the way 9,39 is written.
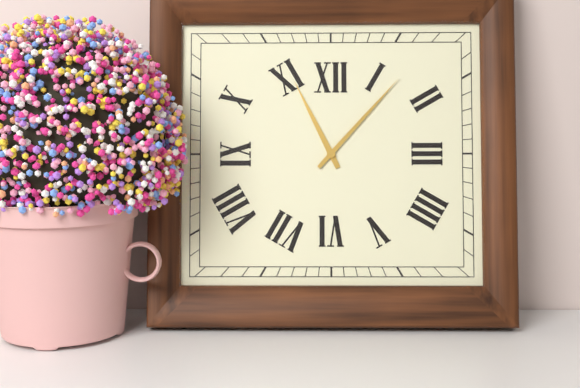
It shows 11,07
